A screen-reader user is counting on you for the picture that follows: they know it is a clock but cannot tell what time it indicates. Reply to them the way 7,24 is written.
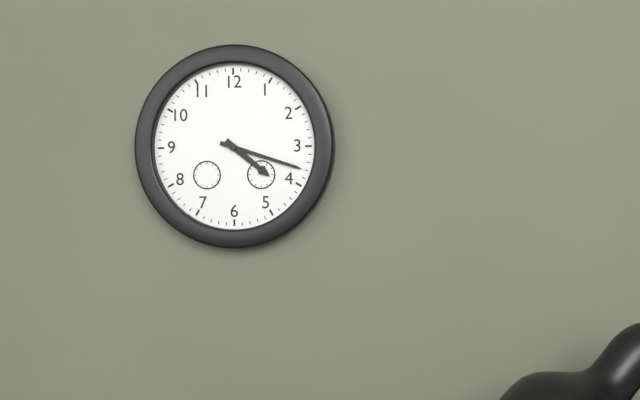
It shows 4,18
